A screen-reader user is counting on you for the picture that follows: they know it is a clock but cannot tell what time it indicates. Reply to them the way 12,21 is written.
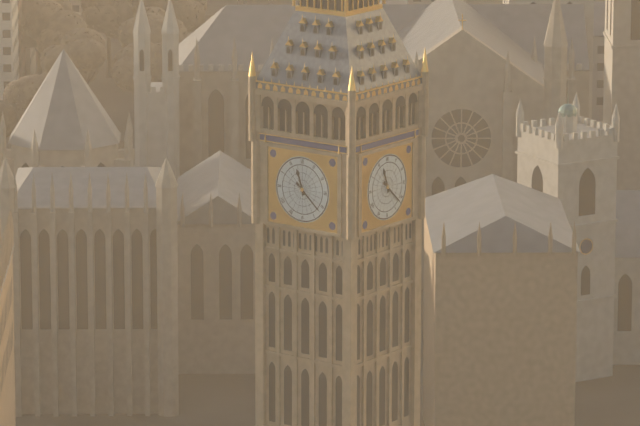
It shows 11,22
